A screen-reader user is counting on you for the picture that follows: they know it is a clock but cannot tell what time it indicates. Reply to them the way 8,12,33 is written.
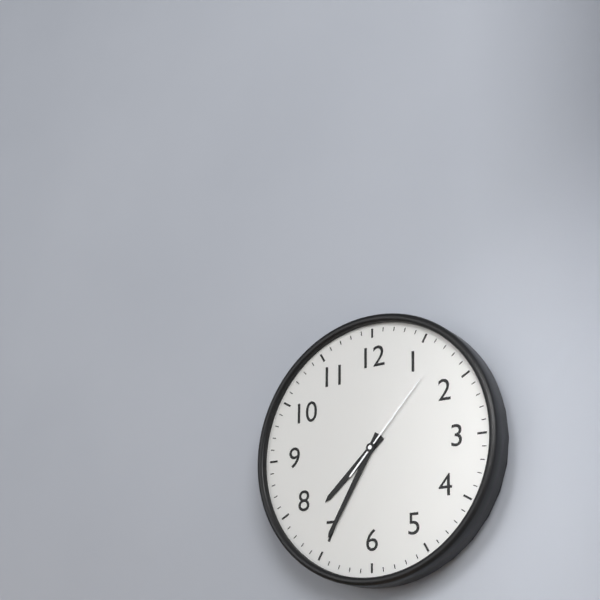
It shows 7,35,07
